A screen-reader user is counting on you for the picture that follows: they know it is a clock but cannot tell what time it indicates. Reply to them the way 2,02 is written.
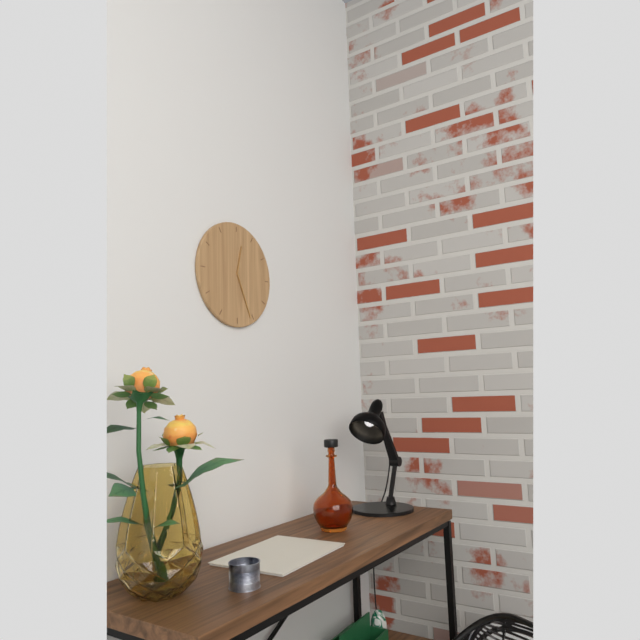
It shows 12,26
